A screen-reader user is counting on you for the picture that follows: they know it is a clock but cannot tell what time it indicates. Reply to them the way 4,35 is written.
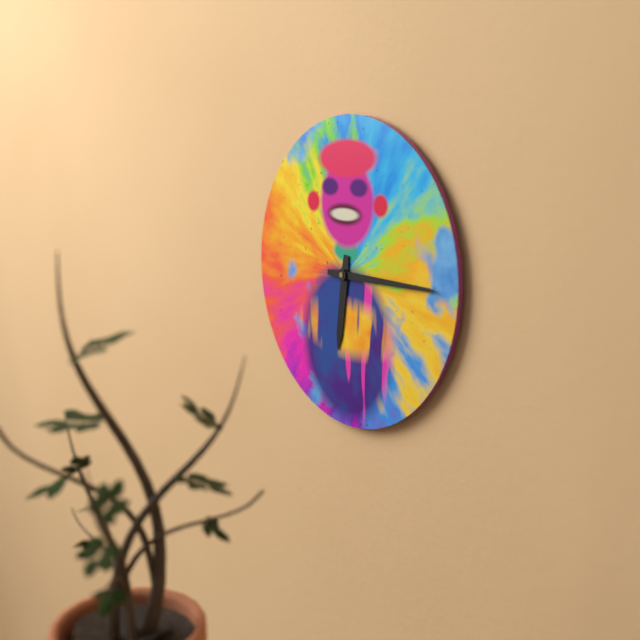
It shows 6,15
